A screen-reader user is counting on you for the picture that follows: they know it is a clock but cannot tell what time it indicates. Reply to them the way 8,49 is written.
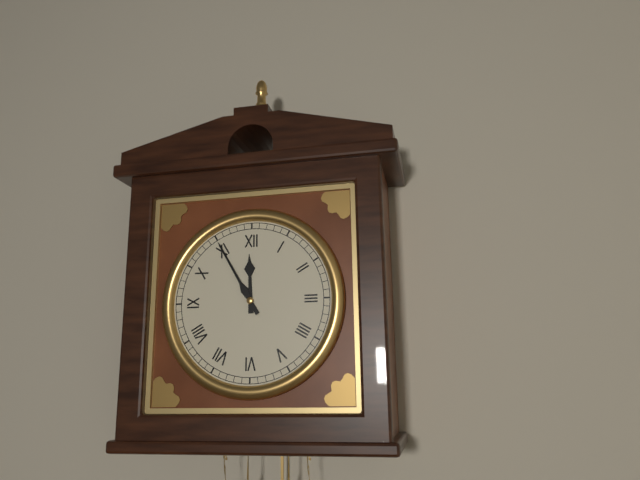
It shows 11,55
